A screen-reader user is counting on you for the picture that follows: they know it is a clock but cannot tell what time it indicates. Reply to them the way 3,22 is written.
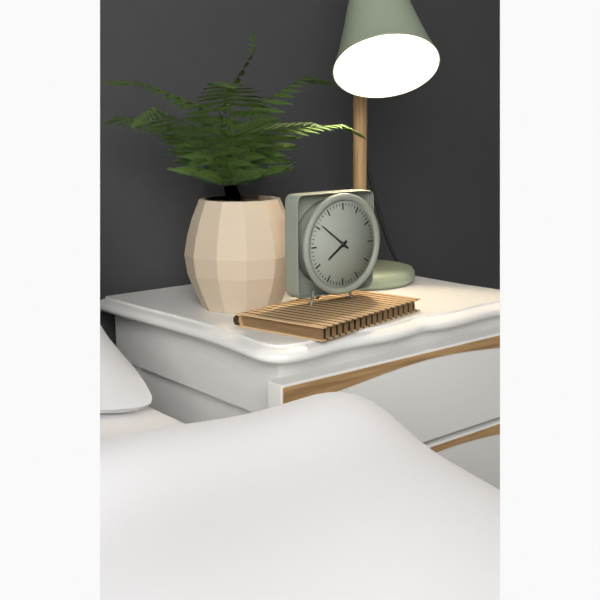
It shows 7,51
